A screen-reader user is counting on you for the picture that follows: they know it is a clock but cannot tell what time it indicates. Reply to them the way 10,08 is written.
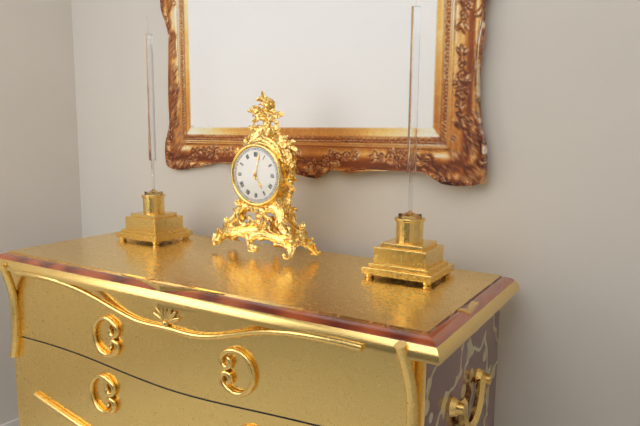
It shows 5,02
